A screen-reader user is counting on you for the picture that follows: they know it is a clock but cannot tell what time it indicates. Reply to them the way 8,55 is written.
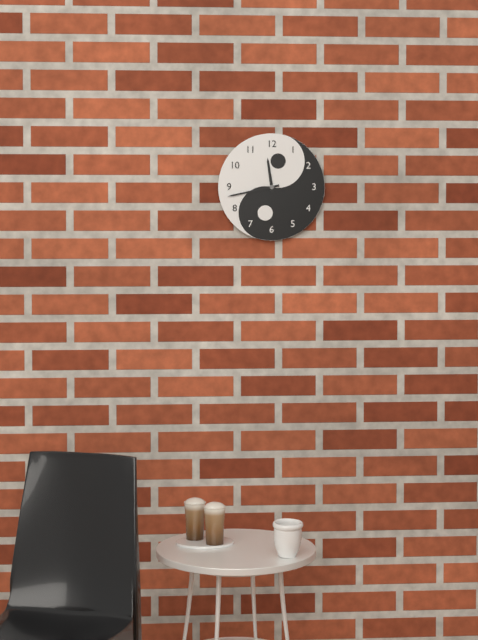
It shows 11,43
